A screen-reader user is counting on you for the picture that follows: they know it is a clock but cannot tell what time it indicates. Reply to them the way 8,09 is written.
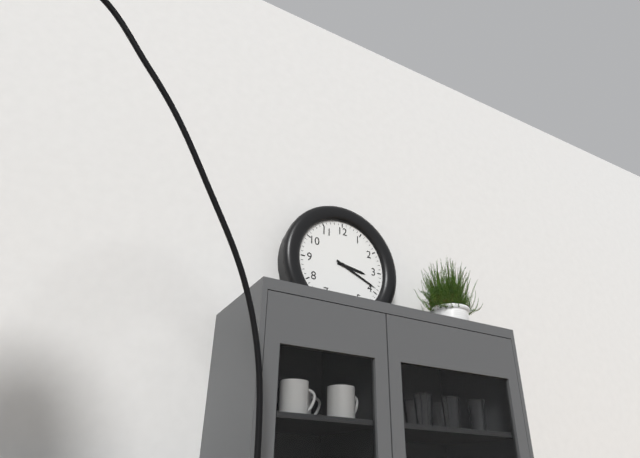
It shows 3,19
